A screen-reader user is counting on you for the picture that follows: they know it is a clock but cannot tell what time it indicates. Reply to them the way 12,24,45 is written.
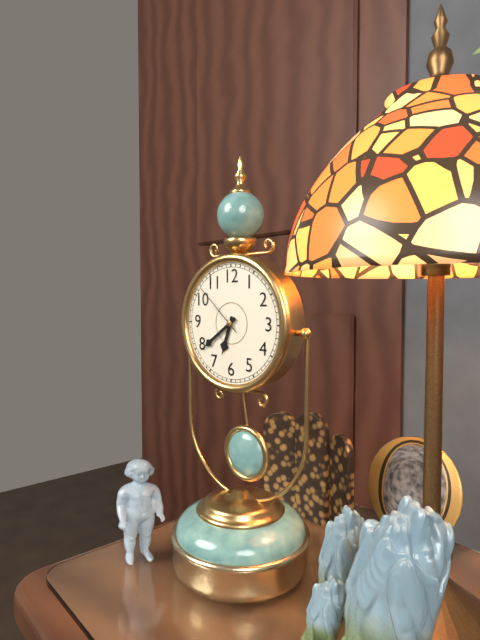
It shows 6,39,52
